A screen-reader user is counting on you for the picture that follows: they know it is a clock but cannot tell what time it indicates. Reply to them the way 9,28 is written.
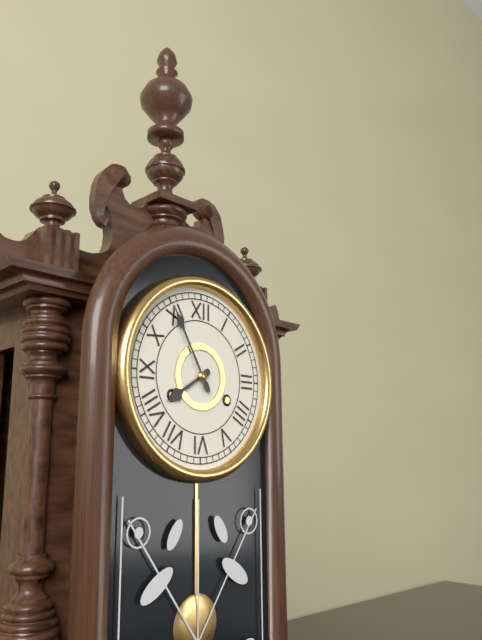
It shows 7,55
